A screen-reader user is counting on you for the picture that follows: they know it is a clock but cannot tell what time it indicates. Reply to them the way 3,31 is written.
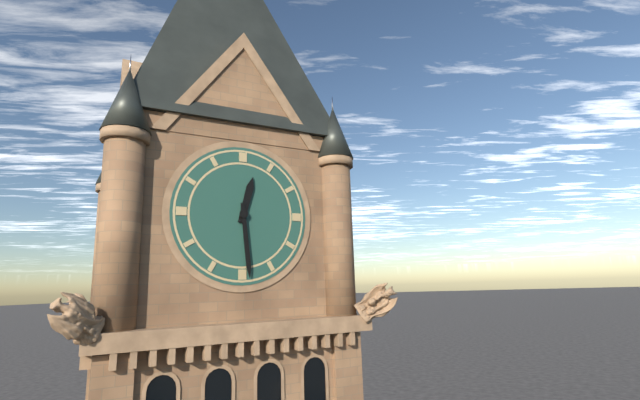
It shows 12,29
